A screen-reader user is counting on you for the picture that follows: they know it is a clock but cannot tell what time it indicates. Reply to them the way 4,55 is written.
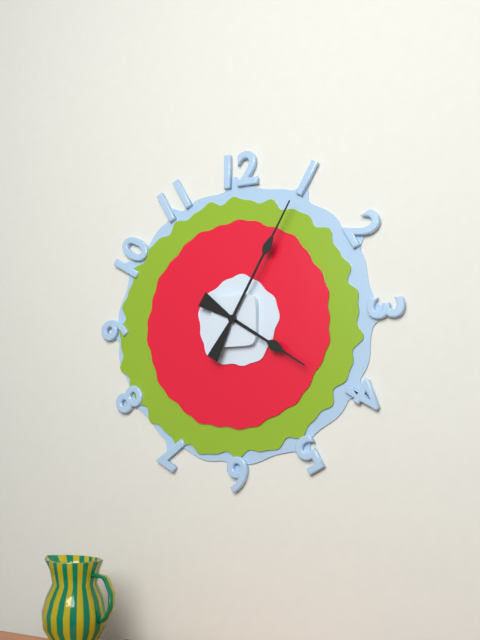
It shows 4,05
